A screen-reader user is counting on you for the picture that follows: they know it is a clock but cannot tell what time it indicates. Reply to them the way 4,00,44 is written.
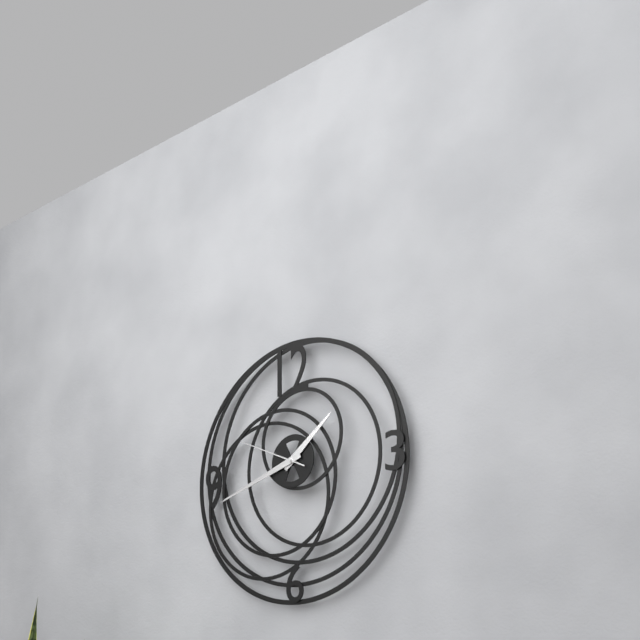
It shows 1,42,49
